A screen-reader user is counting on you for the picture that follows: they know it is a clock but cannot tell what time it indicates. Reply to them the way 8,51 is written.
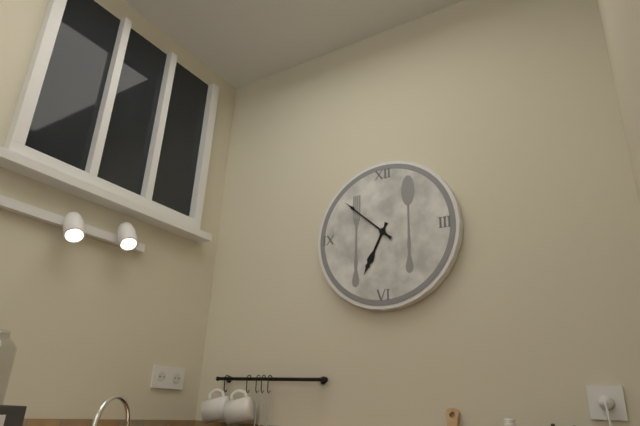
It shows 6,52
